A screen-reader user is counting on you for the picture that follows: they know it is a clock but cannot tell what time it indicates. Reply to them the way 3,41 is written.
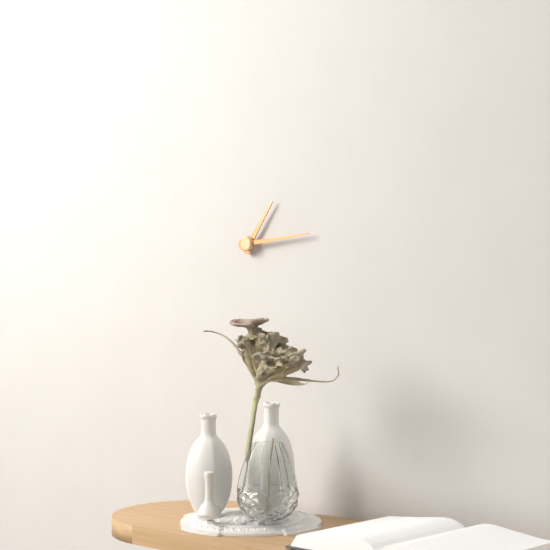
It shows 1,14
